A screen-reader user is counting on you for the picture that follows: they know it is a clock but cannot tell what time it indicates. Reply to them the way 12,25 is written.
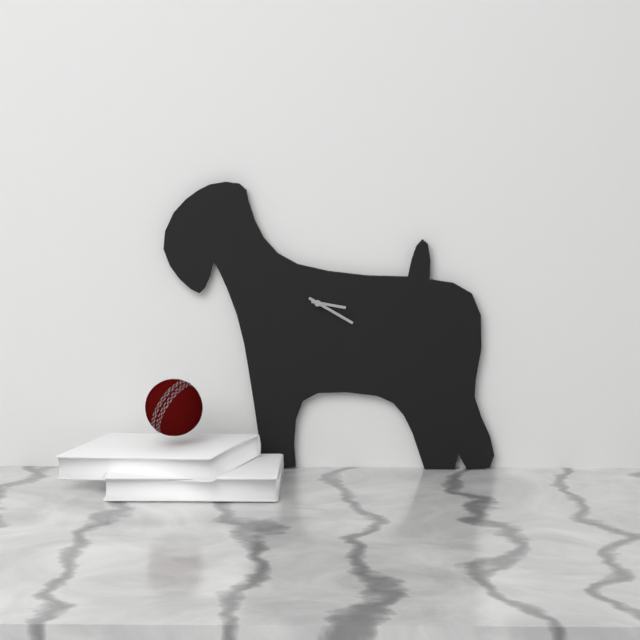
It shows 3,20
